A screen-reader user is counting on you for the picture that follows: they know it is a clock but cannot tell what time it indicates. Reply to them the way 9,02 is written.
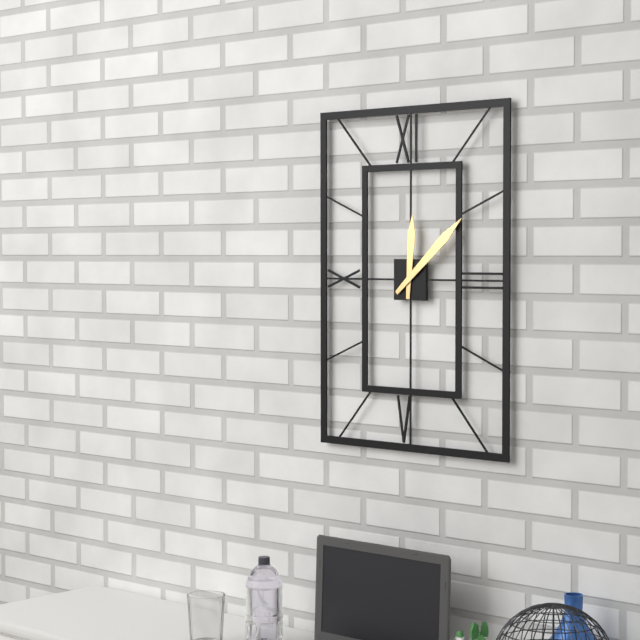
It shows 12,08
